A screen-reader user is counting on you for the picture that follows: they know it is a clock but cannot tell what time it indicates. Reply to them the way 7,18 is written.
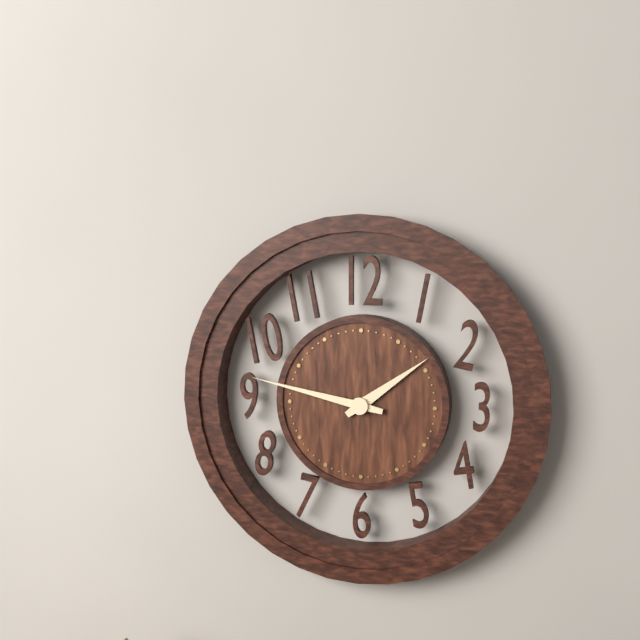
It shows 1,47
